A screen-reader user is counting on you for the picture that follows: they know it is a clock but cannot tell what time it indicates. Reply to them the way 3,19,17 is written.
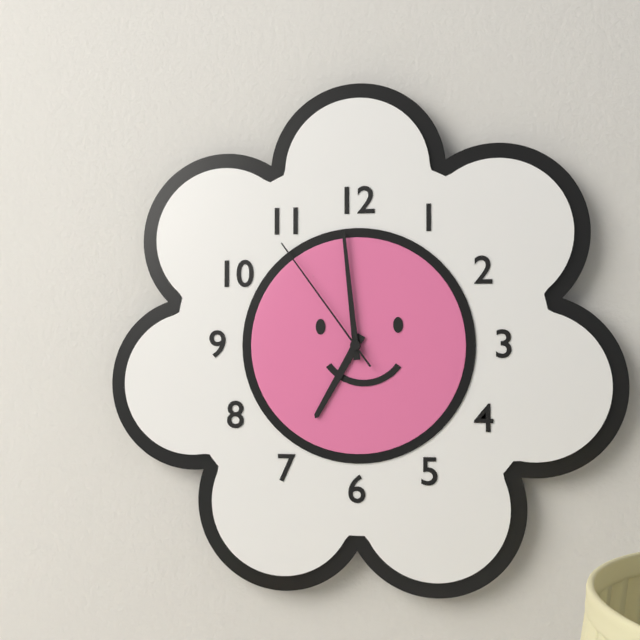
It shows 6,59,54
